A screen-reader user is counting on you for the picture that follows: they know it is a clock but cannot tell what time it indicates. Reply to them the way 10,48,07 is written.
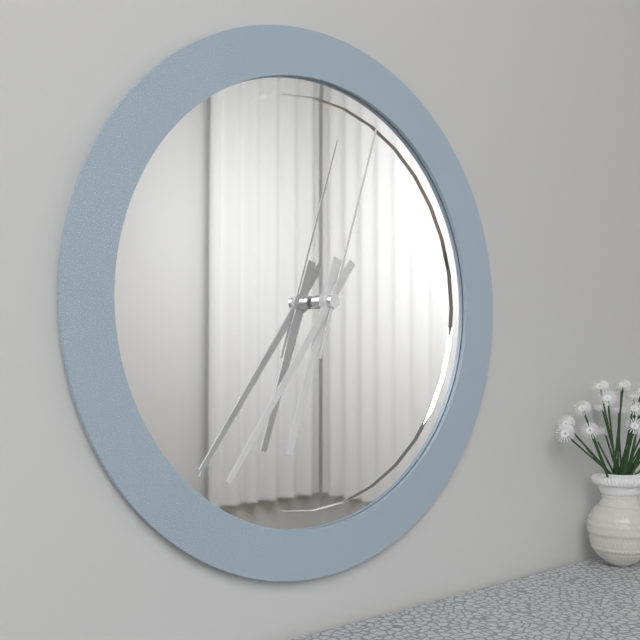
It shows 6,36,03
